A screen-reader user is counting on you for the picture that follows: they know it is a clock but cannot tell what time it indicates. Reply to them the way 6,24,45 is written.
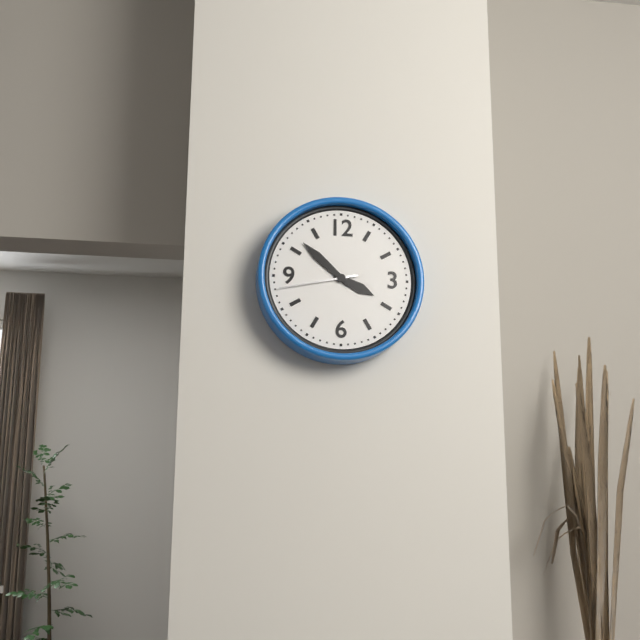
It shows 3,52,43
